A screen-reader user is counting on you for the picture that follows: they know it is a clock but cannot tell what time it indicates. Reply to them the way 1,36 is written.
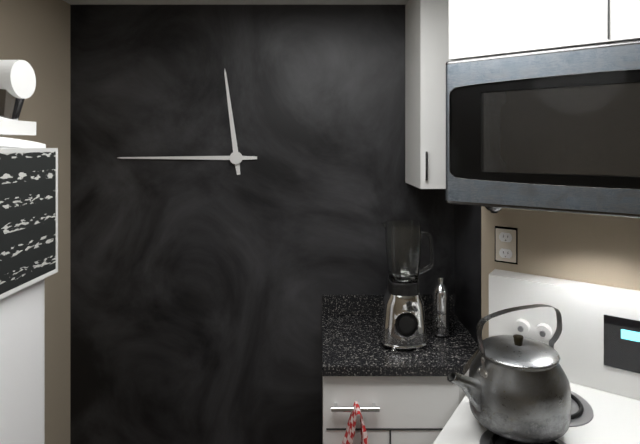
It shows 11,45
